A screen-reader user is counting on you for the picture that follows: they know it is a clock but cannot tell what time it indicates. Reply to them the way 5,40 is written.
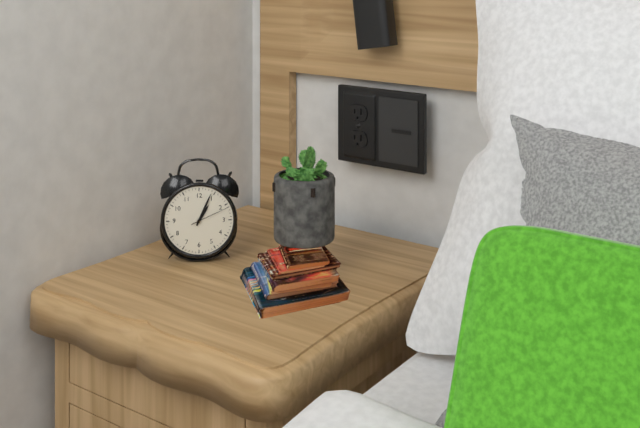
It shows 1,04
